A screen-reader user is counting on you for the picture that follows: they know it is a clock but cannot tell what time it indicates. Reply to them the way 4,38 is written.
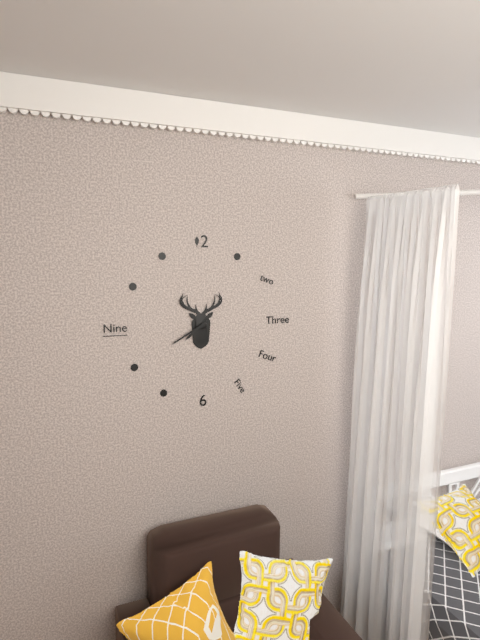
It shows 7,40
